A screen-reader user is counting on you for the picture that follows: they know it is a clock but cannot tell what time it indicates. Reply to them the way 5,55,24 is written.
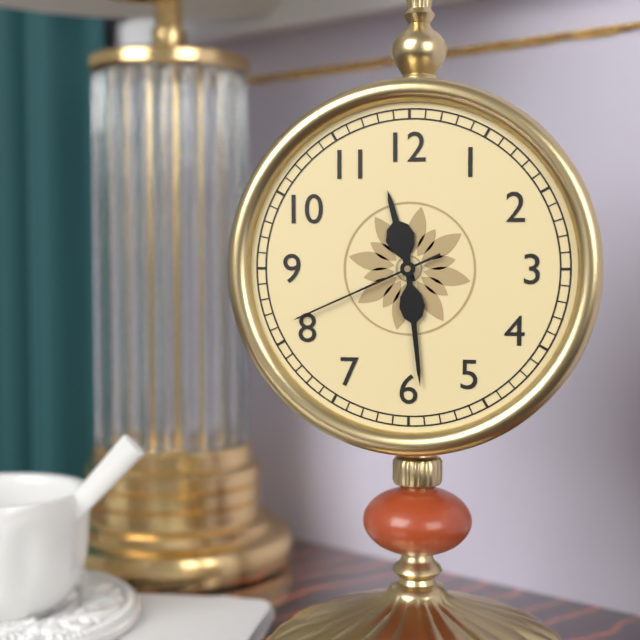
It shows 11,29,41
